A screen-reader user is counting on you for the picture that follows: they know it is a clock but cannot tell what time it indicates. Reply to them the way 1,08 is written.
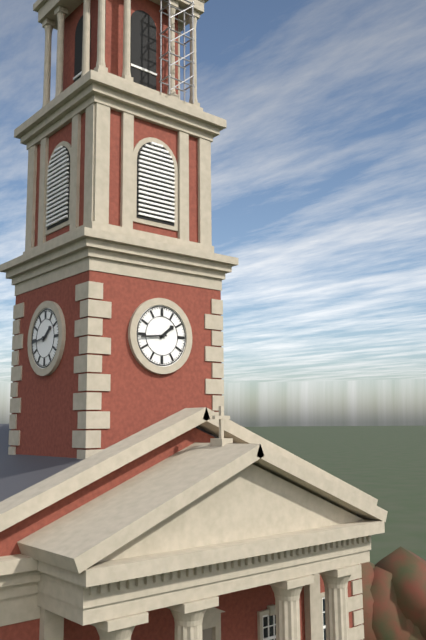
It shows 1,44
